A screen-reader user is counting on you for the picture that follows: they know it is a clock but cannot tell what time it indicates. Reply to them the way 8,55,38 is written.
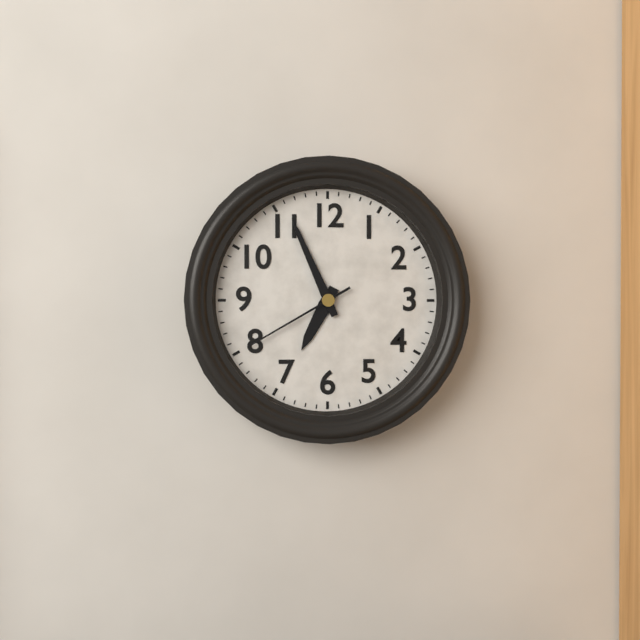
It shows 6,56,40
